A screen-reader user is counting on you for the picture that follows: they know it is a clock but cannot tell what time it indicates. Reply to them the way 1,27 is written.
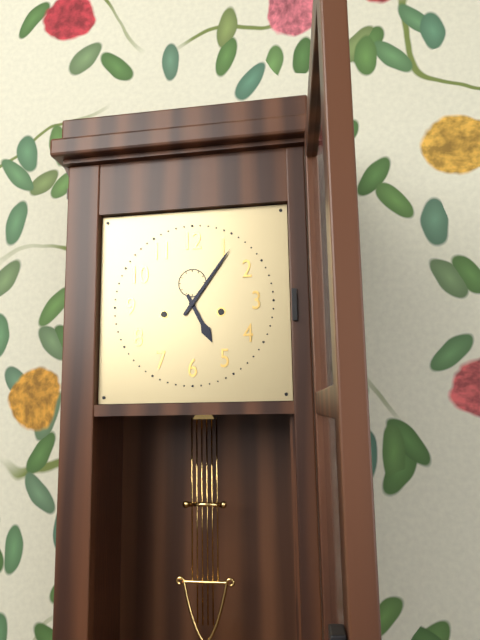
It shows 5,06
